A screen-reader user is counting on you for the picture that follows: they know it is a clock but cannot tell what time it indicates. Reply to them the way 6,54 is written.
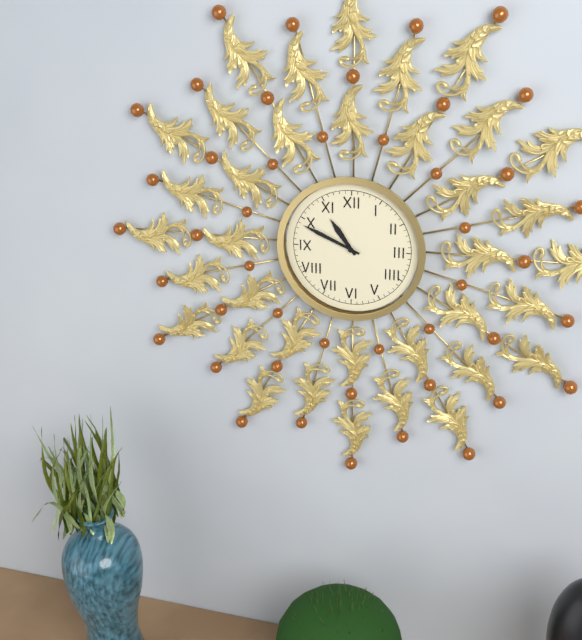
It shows 10,49
